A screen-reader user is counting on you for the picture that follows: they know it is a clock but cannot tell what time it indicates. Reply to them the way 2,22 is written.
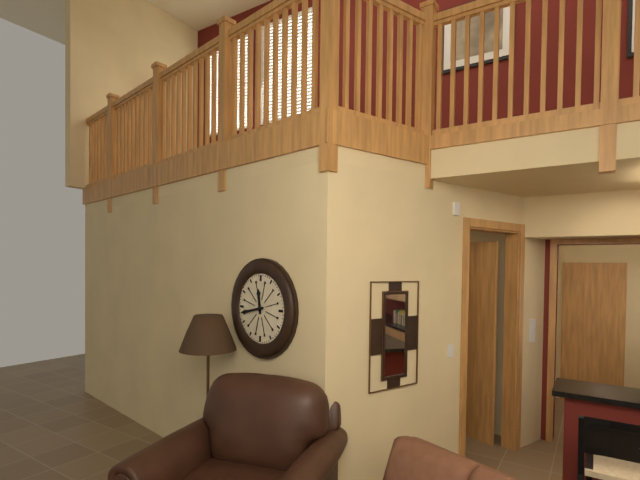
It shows 11,43
